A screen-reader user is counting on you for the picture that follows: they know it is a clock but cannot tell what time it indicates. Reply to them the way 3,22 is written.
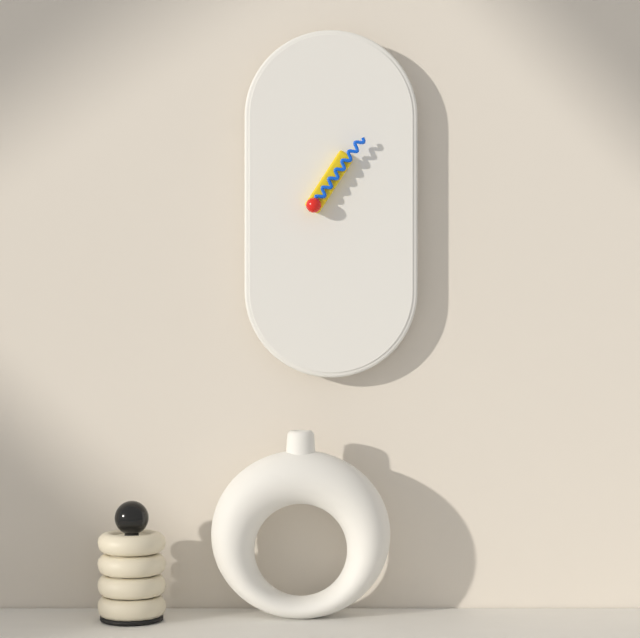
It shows 1,06
